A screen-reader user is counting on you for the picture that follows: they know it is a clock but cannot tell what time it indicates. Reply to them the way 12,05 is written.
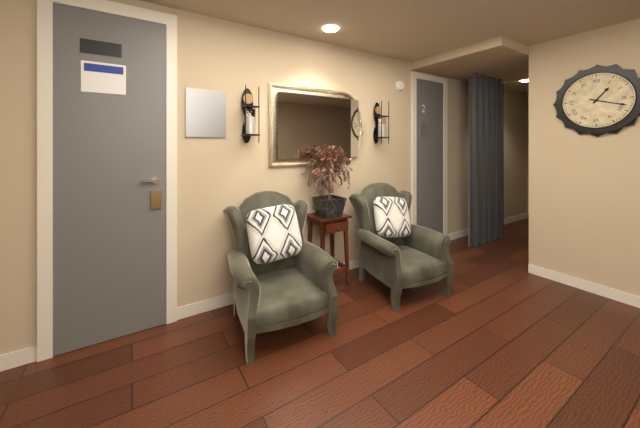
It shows 1,18
